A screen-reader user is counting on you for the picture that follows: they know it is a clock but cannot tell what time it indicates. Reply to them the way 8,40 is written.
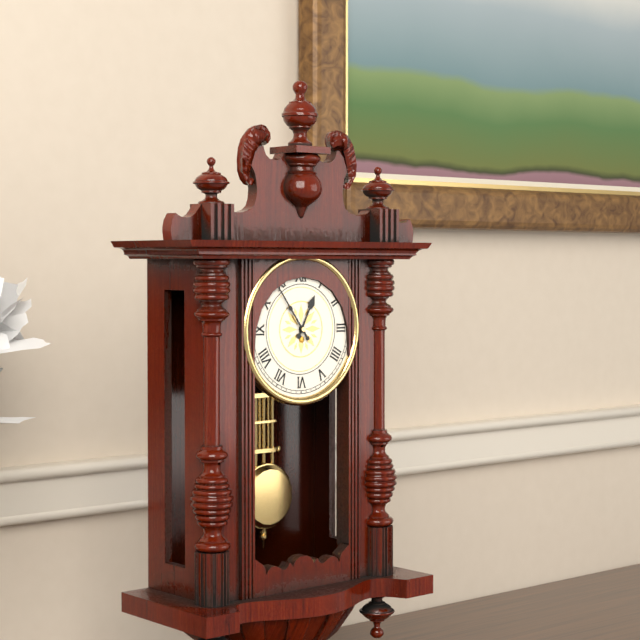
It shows 12,54
